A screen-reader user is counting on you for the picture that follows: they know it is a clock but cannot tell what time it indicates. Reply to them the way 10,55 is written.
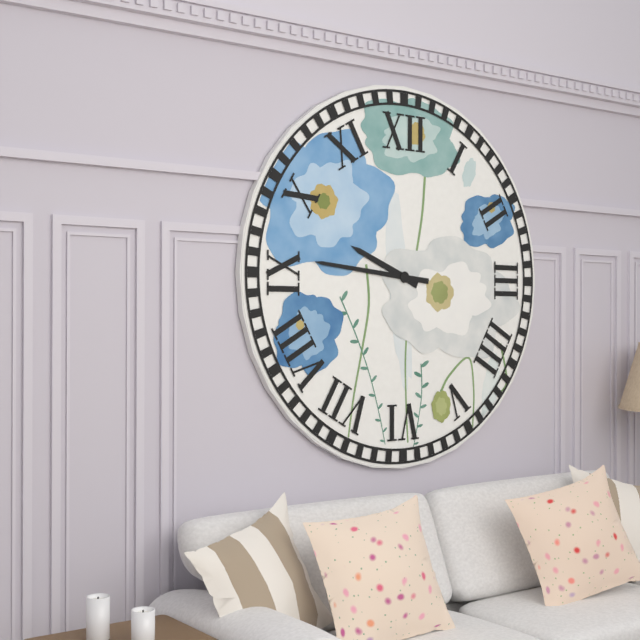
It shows 9,46
